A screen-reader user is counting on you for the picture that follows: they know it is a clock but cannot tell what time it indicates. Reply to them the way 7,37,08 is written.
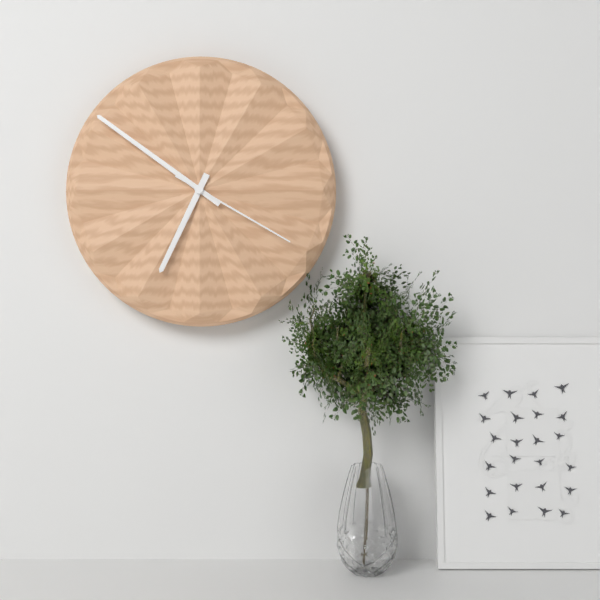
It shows 6,51,20
